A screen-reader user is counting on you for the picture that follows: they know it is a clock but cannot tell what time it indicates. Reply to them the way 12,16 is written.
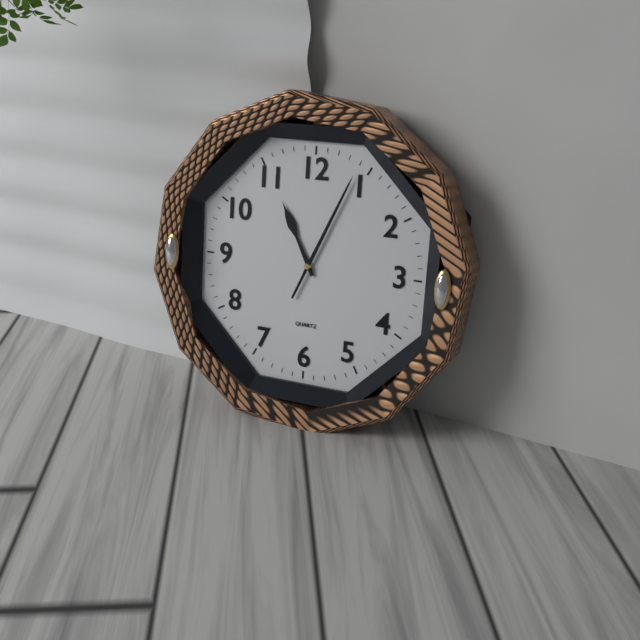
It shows 11,04
